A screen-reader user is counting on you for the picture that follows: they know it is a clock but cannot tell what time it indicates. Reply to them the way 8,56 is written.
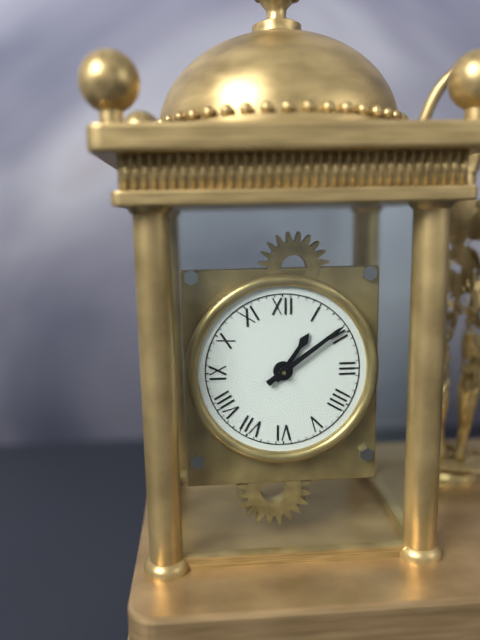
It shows 1,09
